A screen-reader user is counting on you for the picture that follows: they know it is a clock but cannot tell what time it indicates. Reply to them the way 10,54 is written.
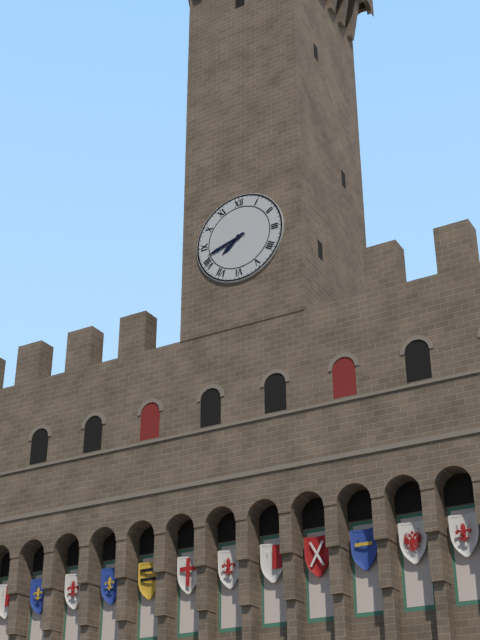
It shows 7,42
